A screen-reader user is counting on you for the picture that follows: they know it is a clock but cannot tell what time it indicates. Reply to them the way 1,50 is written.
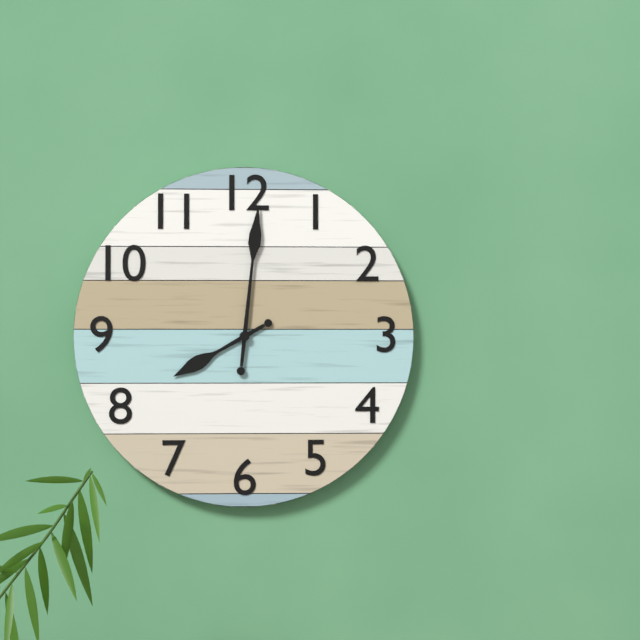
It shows 8,01
